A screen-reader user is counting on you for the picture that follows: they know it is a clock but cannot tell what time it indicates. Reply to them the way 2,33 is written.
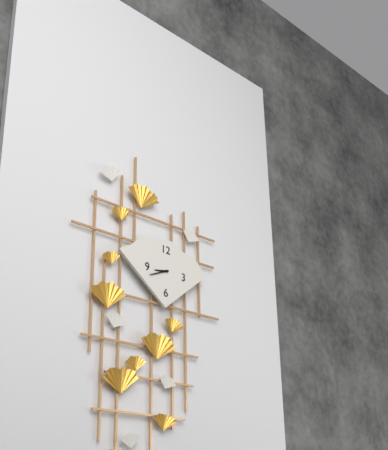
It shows 8,41
